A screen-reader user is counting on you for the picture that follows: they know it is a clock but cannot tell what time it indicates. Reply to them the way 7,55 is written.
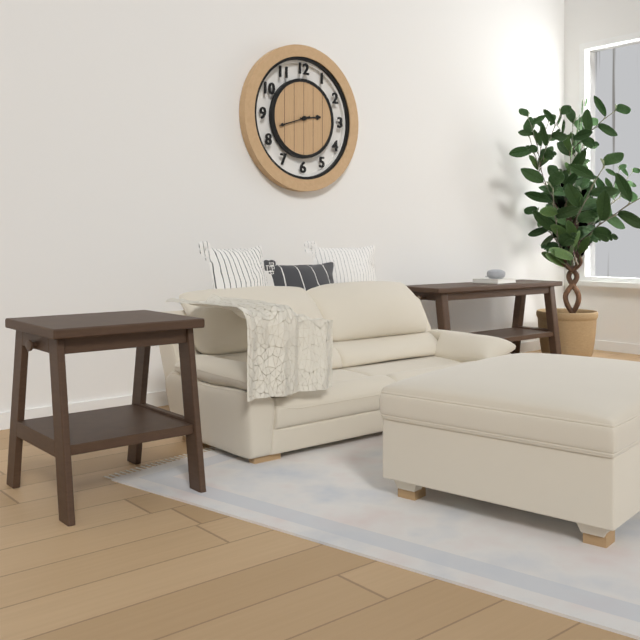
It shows 2,42
